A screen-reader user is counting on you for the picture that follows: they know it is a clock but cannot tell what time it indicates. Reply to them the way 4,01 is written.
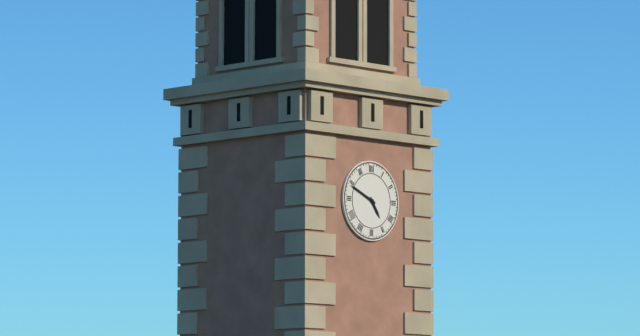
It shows 4,49
